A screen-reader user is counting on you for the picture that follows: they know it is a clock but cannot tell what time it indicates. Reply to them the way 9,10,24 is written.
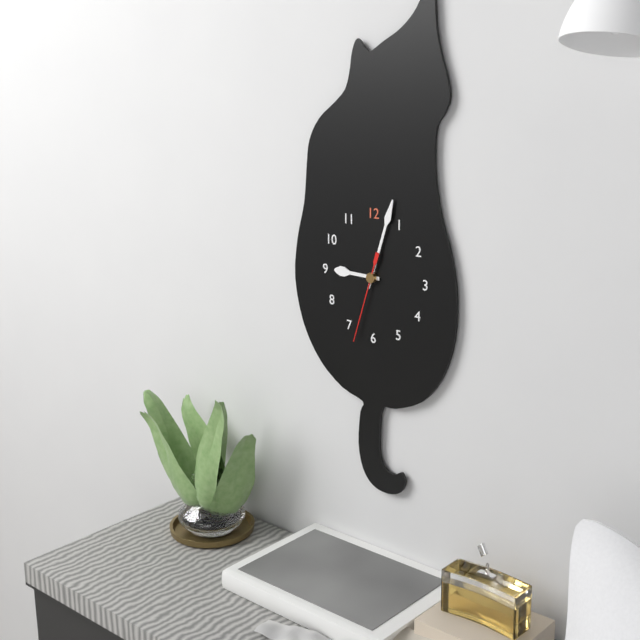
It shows 9,03,33
